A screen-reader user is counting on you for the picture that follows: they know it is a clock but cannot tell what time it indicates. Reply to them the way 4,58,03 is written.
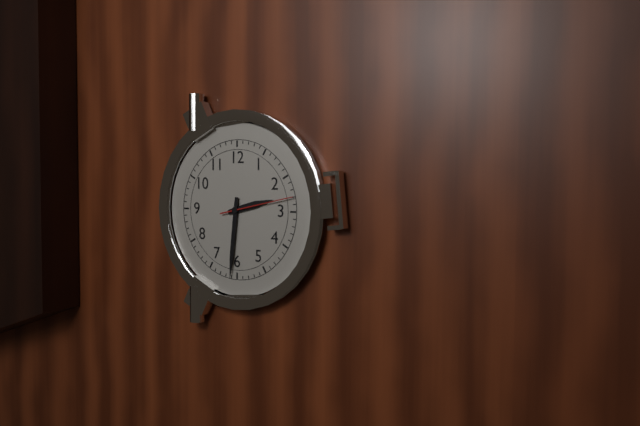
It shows 2,31,13
